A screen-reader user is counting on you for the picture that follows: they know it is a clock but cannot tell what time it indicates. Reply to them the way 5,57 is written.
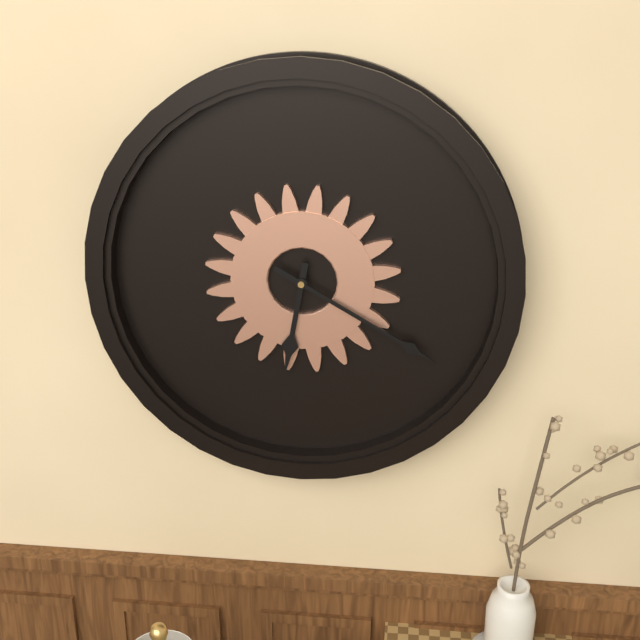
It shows 6,20
